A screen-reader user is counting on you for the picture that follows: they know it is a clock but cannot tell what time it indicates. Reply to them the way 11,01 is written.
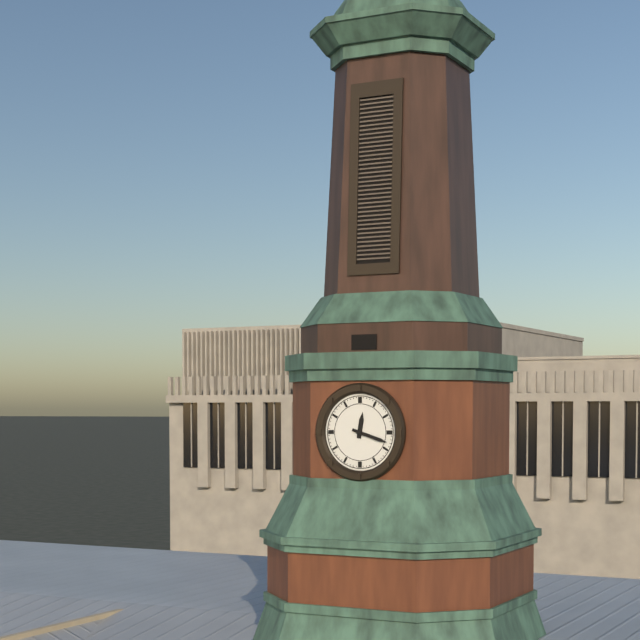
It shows 12,18
